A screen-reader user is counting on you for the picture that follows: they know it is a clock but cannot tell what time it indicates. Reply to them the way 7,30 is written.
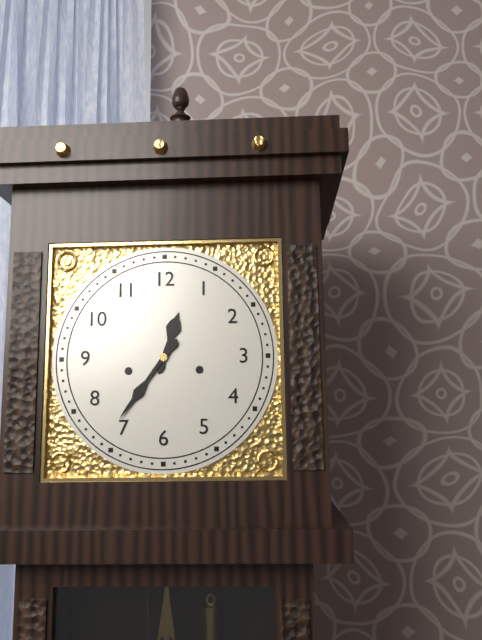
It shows 12,36
